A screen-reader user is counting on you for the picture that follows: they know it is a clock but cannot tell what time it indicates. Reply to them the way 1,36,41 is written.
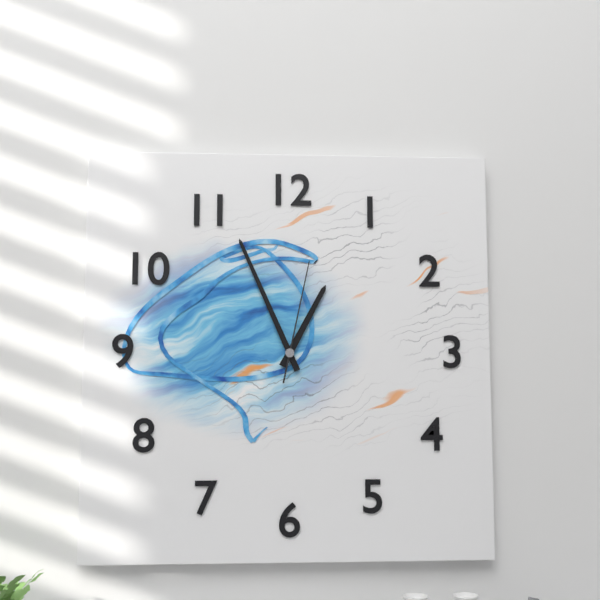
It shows 12,56,02
